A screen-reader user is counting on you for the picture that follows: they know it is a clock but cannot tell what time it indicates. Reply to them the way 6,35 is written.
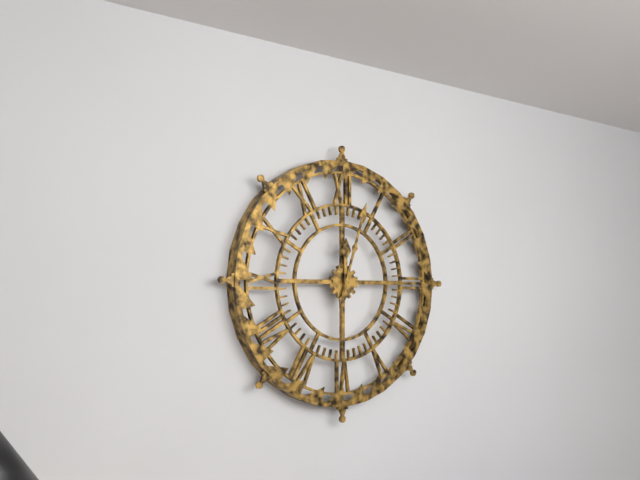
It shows 12,03
